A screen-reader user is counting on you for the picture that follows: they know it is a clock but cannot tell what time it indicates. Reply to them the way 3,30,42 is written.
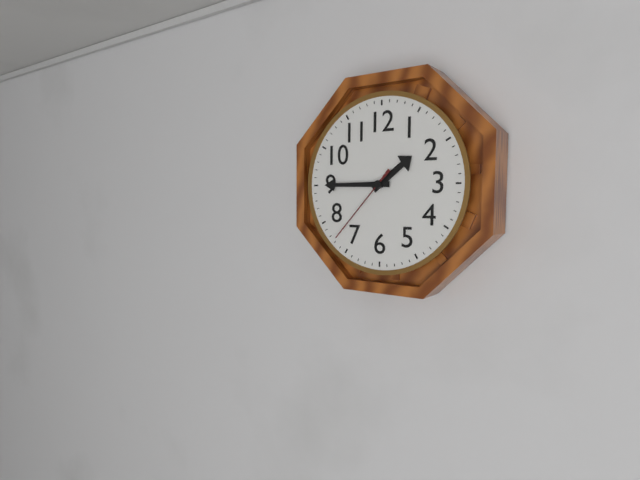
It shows 1,45,37
